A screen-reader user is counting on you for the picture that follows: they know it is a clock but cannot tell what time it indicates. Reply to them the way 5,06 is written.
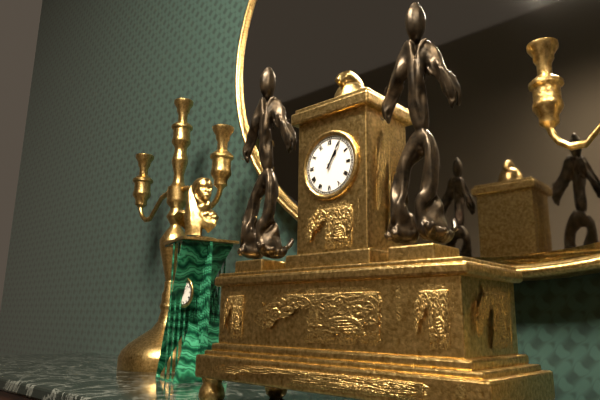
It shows 1,05
